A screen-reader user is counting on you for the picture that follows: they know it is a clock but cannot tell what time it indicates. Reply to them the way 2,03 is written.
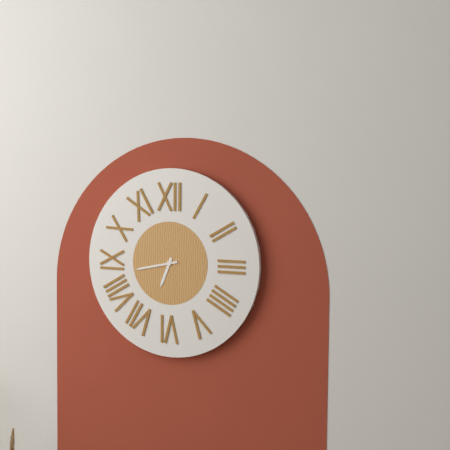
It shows 6,43
